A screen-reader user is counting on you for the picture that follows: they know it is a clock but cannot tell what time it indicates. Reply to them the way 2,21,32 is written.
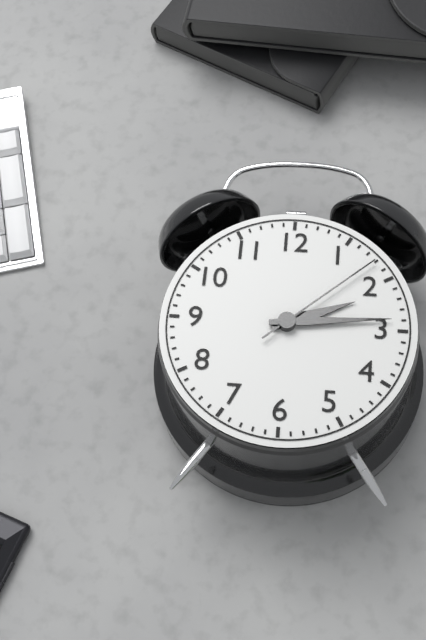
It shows 2,14,08
